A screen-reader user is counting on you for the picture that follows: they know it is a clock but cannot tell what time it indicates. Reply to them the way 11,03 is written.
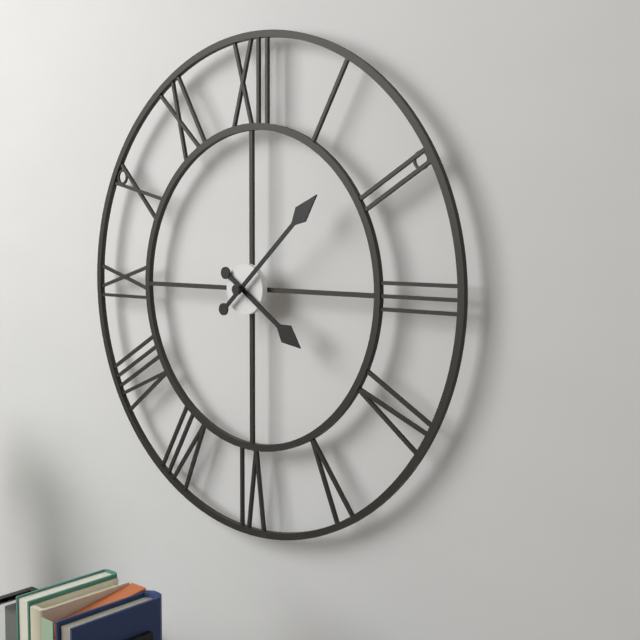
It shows 4,08
